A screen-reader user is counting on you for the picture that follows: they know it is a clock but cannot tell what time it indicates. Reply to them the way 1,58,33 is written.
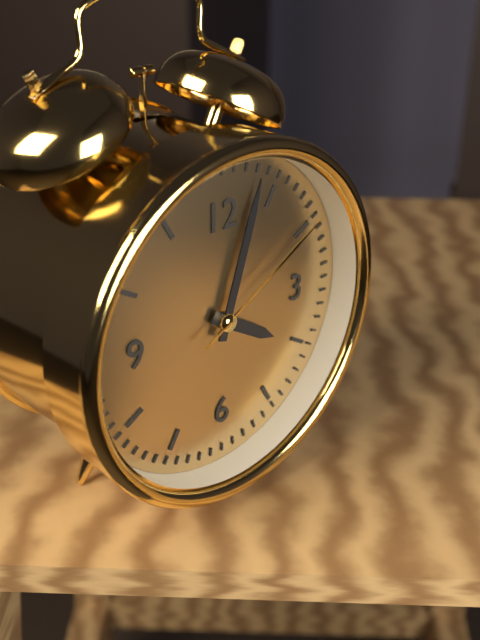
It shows 4,03,10
